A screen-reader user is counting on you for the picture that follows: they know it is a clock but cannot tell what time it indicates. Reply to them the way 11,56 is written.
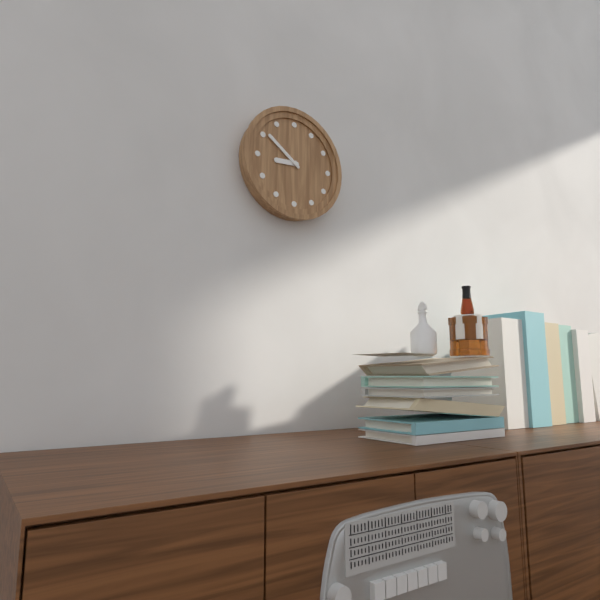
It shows 8,51
